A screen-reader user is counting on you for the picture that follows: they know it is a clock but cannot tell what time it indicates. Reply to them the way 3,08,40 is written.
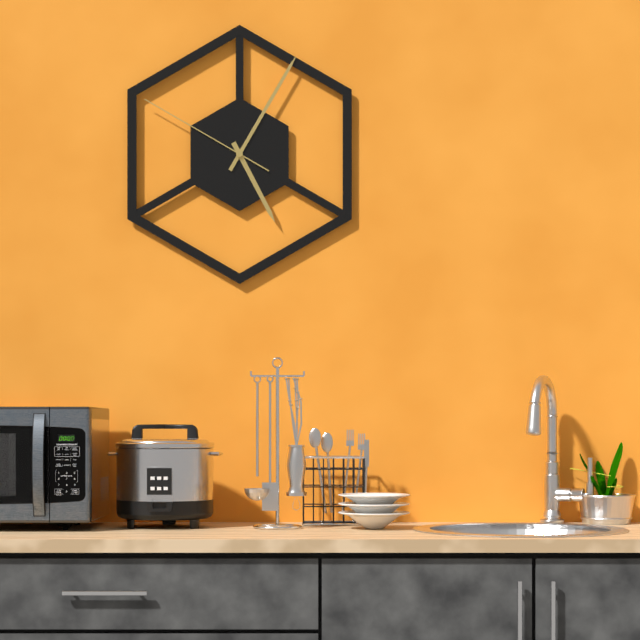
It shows 5,05,50
